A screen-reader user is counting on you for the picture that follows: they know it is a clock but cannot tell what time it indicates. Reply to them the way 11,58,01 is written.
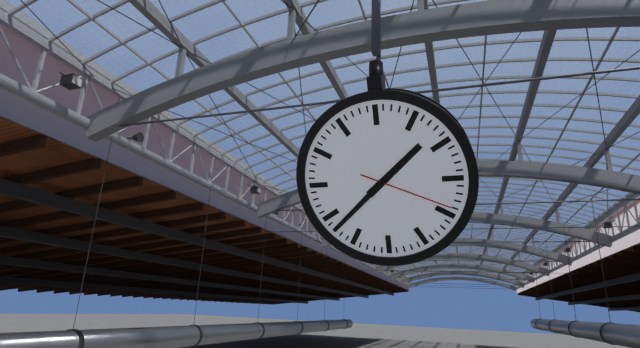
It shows 1,38,19
